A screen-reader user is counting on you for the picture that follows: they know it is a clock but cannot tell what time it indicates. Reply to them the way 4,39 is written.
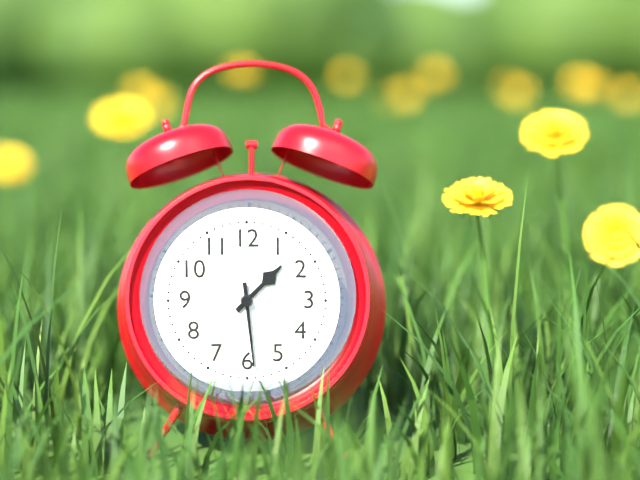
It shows 1,29
